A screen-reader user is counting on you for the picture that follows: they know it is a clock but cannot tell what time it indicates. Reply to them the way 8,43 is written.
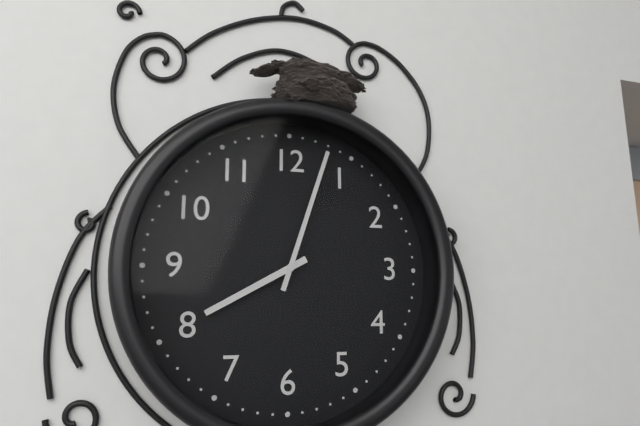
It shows 8,03
